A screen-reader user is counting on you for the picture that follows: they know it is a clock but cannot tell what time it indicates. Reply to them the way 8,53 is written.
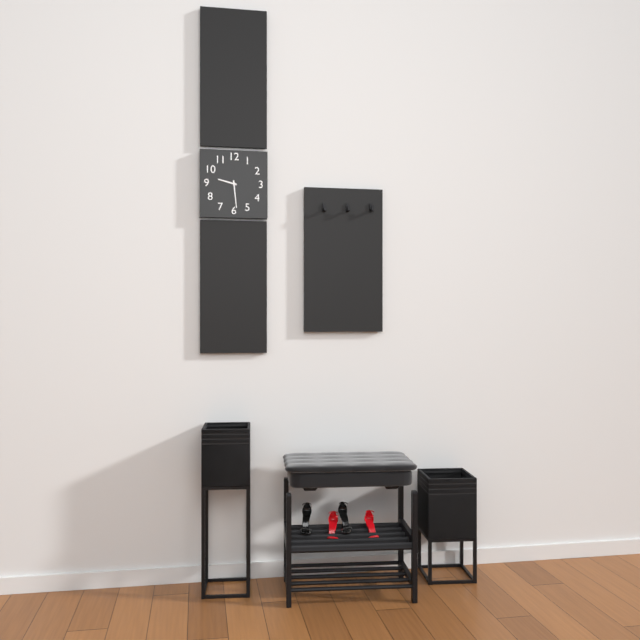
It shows 9,29
